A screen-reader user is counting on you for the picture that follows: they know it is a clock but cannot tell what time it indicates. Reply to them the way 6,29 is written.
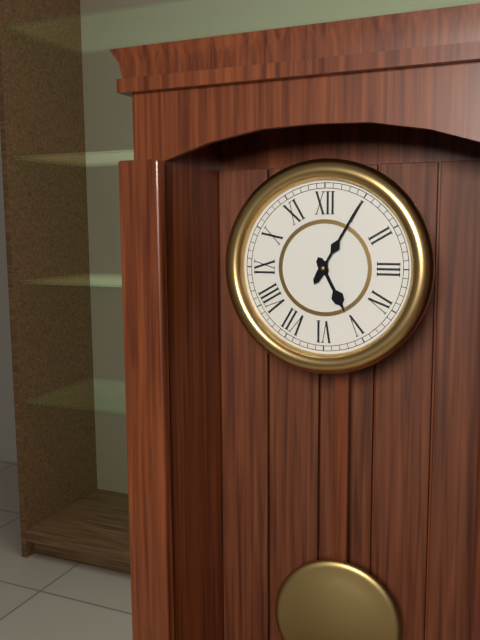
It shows 5,05
